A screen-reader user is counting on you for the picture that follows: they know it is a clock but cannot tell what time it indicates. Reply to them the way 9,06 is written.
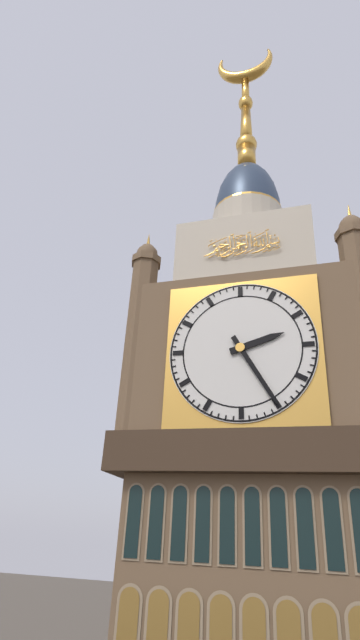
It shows 2,25
